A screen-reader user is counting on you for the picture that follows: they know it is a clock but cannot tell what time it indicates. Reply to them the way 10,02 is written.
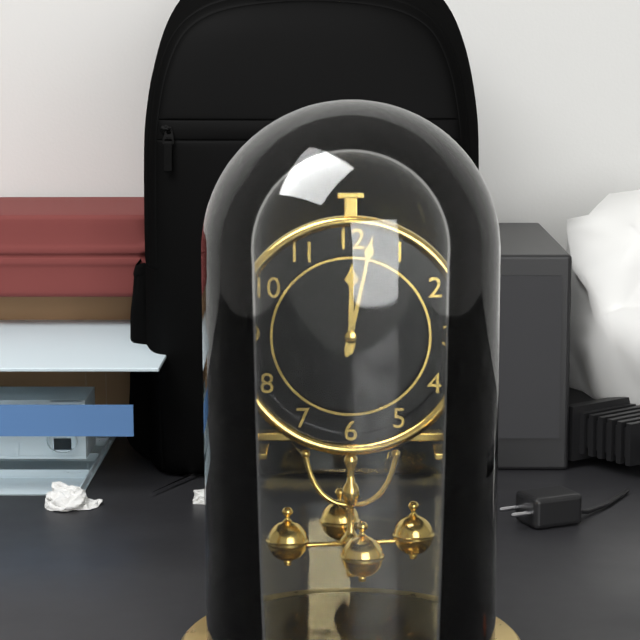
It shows 12,02
